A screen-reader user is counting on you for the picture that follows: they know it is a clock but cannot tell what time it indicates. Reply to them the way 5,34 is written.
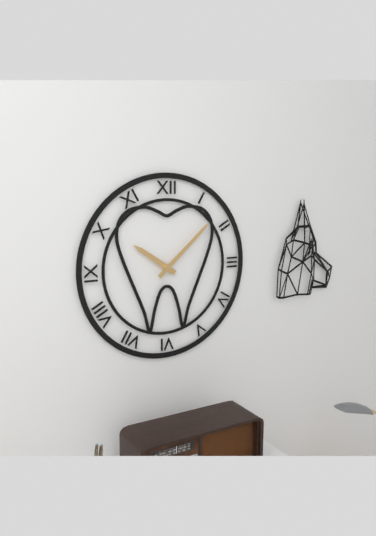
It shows 10,08
